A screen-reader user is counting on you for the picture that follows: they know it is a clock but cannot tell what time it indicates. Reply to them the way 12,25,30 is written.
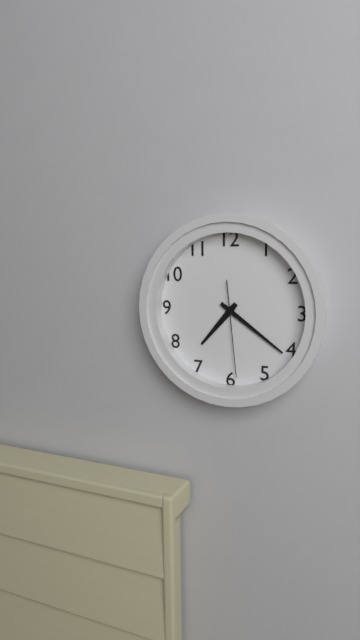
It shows 7,21,29
